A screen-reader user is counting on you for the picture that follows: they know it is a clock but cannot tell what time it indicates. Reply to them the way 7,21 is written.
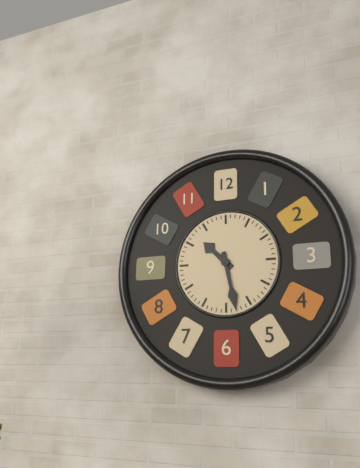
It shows 10,28
